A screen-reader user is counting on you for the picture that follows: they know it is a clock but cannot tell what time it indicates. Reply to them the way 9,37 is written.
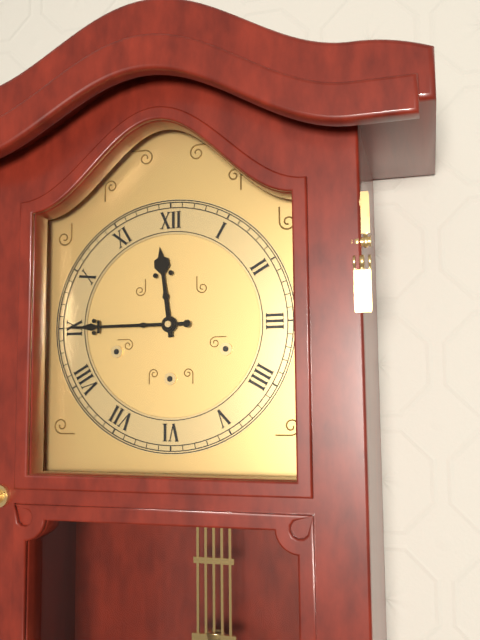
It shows 11,45
